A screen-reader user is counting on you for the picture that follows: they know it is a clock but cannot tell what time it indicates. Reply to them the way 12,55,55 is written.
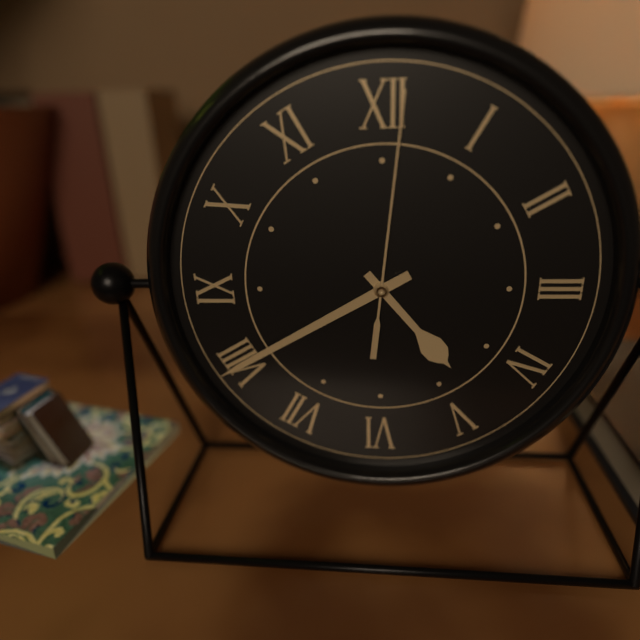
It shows 4,40,01
